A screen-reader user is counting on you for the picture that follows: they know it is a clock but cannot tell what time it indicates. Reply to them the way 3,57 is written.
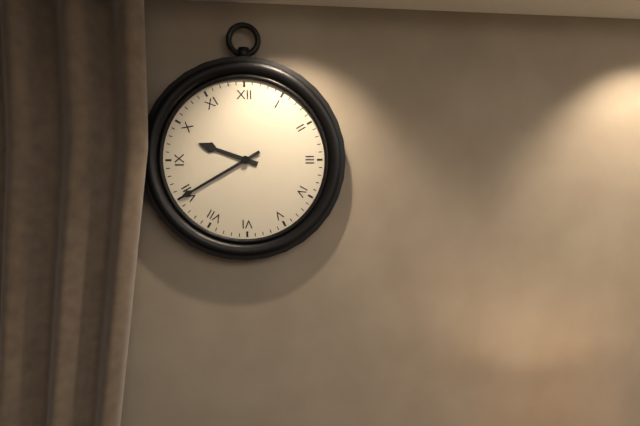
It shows 9,40
